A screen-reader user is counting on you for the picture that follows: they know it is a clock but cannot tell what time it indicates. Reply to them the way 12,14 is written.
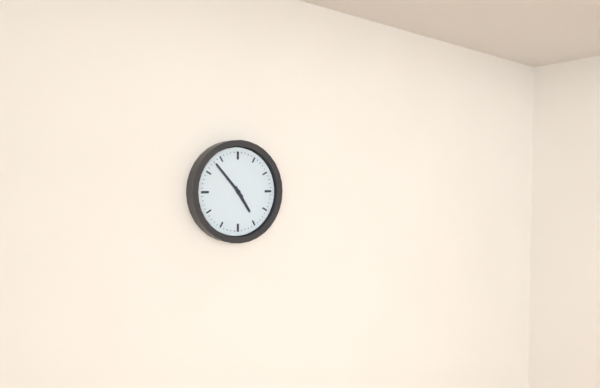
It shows 4,53
